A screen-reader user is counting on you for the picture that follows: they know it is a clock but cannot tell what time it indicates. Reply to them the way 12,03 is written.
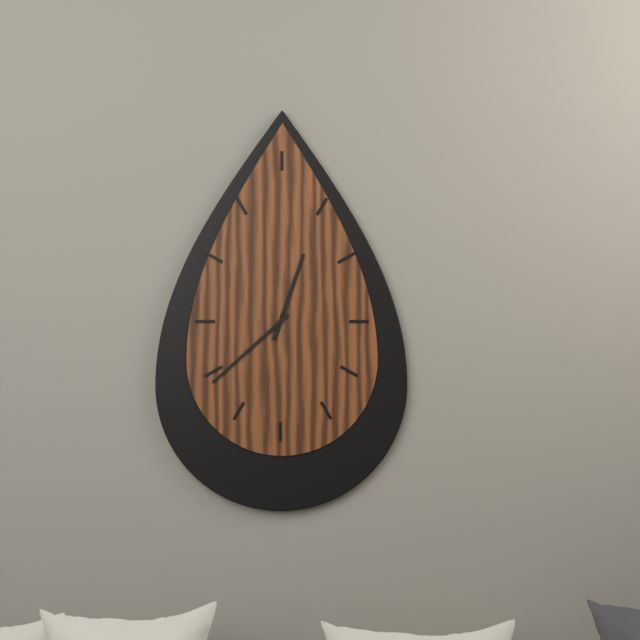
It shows 12,38
